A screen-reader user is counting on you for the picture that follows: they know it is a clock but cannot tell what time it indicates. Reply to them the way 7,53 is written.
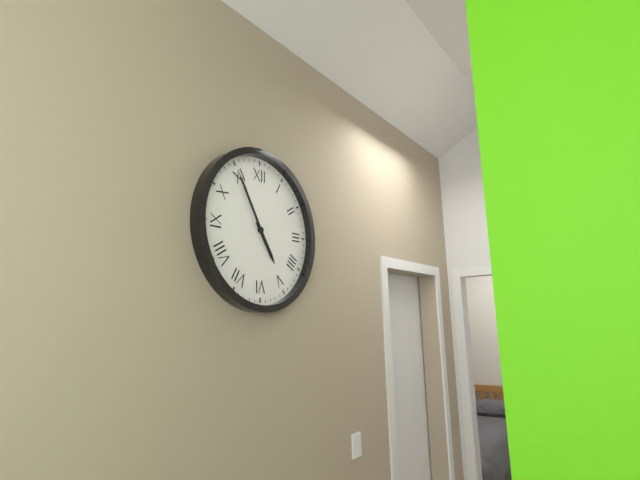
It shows 4,55
